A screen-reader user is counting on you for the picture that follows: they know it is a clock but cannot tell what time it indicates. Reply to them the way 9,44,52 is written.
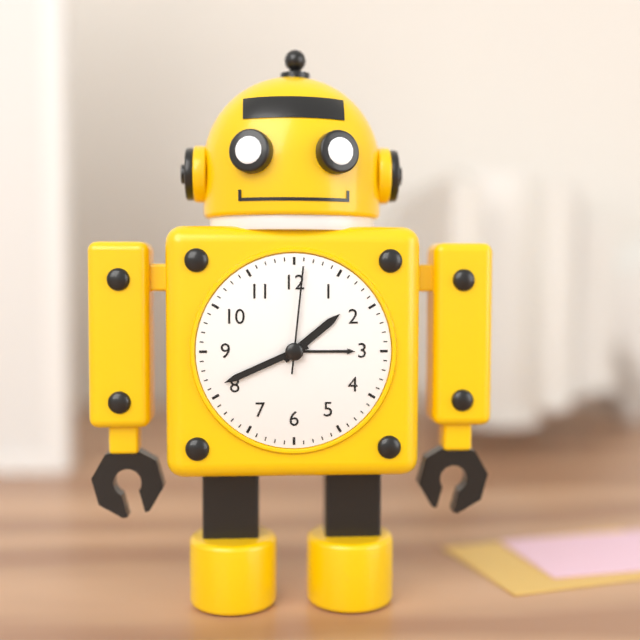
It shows 1,41,01
